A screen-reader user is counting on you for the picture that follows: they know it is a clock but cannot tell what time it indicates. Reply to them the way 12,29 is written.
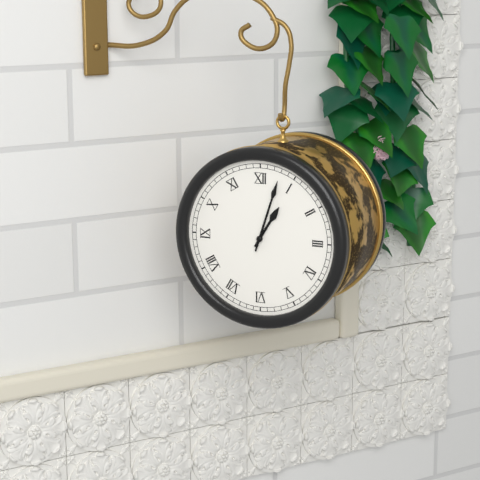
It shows 1,03
